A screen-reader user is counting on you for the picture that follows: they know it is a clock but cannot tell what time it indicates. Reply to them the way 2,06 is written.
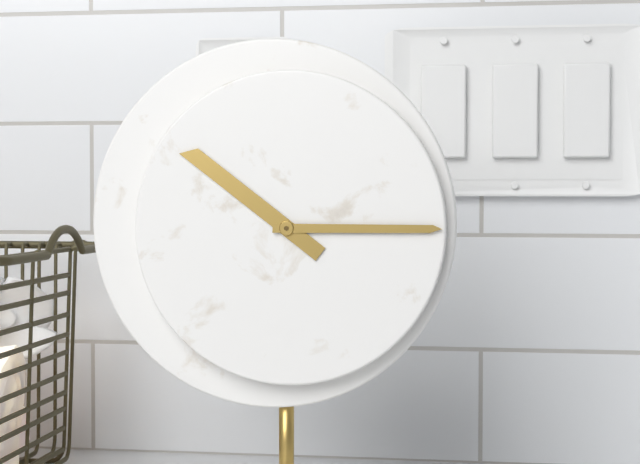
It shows 10,15
